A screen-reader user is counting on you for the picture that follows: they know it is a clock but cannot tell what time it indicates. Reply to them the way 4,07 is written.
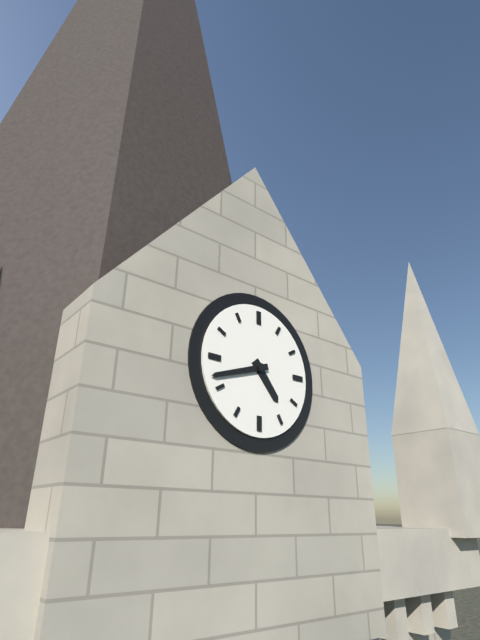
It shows 4,42
